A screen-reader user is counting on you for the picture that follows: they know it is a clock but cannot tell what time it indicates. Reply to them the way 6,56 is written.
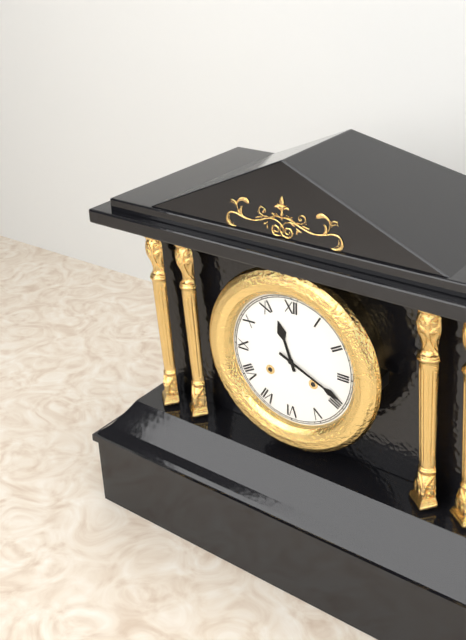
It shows 11,19
